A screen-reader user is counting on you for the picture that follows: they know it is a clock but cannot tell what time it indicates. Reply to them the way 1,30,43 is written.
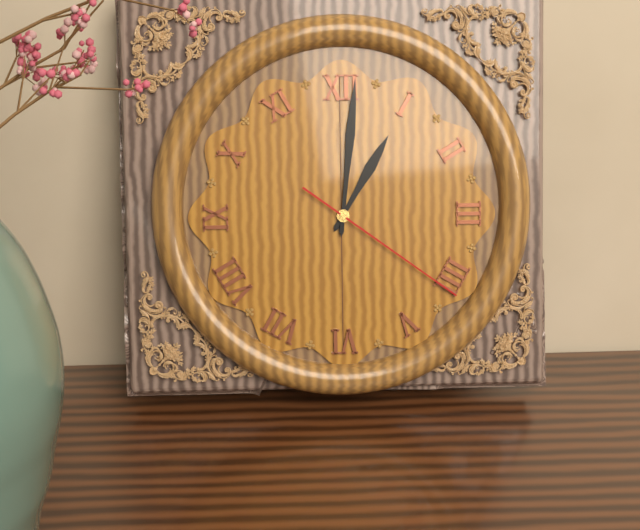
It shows 1,01,21
